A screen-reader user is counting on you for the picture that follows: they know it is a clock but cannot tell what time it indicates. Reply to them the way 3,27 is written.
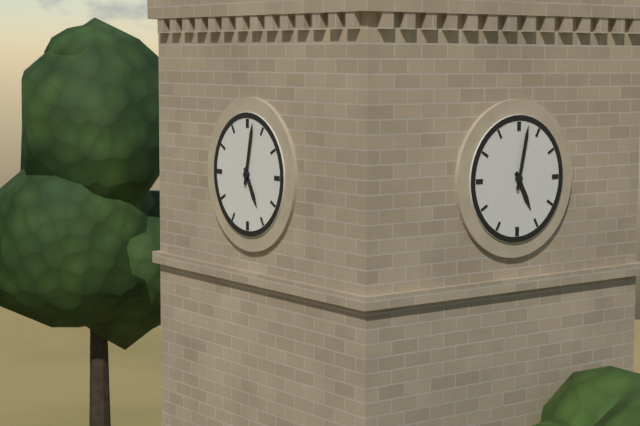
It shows 5,02
